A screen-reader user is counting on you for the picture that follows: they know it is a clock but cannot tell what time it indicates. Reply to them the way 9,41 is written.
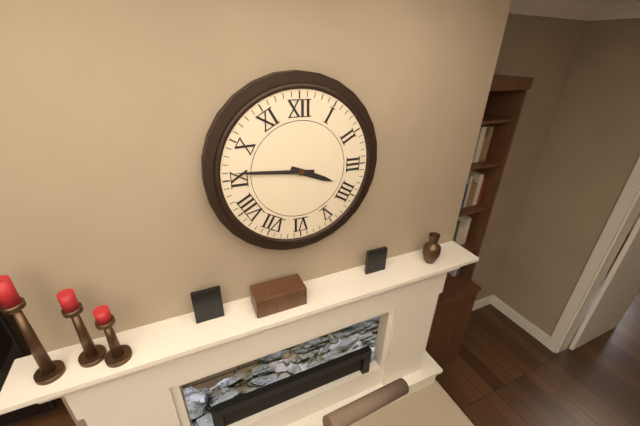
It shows 3,46
